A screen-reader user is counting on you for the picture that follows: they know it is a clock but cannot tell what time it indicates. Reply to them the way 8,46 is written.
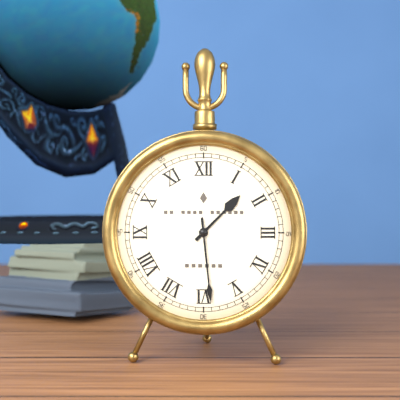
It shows 1,29
